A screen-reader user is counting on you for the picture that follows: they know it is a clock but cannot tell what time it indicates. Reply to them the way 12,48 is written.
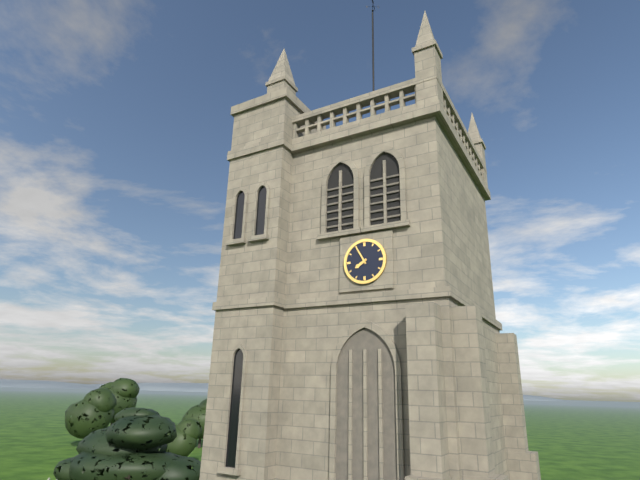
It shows 7,55
